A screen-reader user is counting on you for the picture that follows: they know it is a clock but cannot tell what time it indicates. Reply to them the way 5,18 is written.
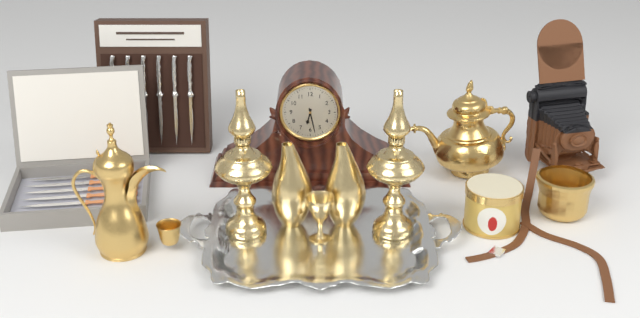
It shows 6,28
